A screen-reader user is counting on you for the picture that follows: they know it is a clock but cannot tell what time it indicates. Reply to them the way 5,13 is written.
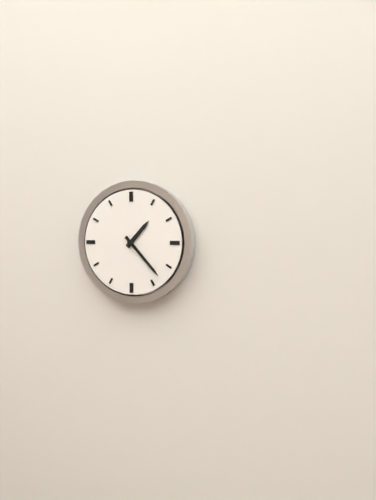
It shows 1,23
